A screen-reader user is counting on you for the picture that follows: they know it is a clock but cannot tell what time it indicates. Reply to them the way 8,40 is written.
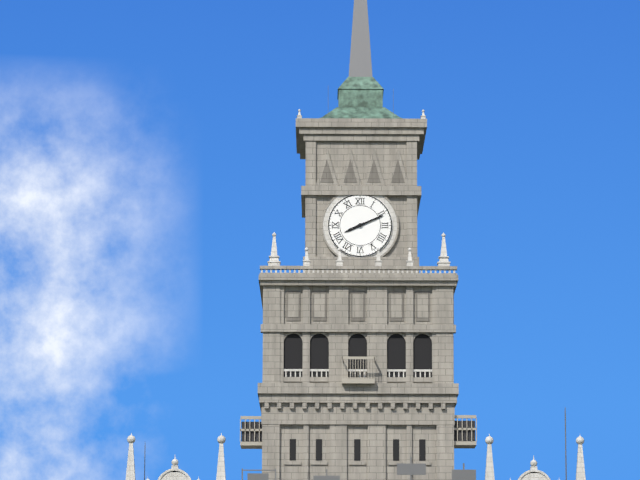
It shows 8,11
